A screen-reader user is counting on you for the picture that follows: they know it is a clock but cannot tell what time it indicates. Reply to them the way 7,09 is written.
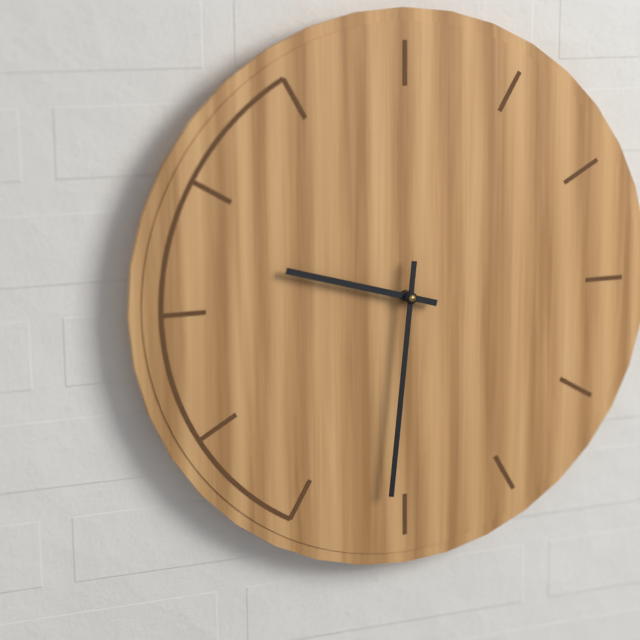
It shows 9,31
